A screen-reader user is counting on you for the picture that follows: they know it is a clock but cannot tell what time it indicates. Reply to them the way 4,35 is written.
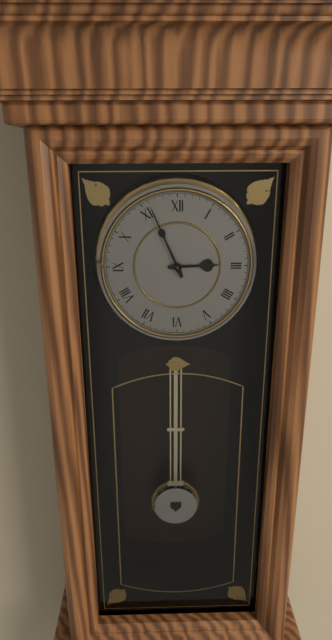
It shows 2,56
